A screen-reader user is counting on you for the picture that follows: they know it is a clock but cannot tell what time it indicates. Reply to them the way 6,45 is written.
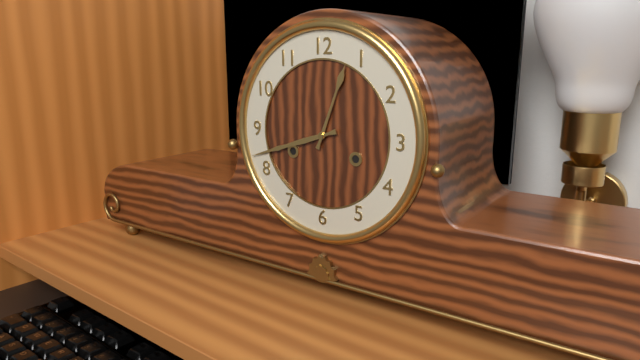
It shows 12,42
